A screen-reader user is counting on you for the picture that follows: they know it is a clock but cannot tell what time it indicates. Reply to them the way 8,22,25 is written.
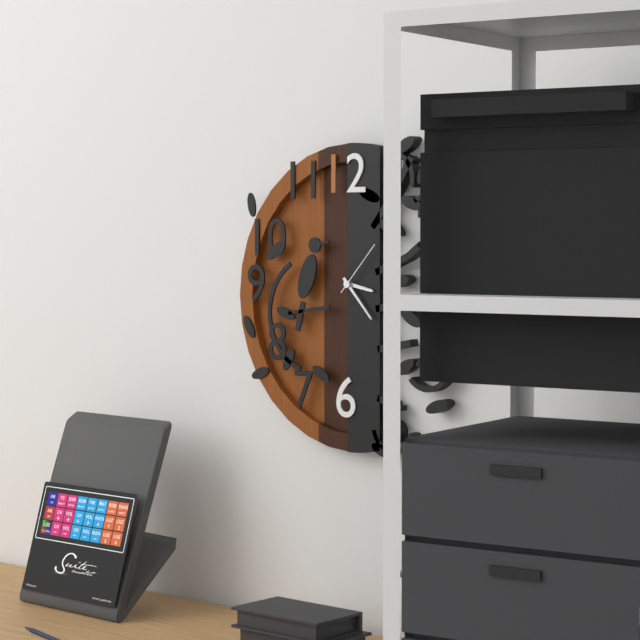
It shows 3,23,07
